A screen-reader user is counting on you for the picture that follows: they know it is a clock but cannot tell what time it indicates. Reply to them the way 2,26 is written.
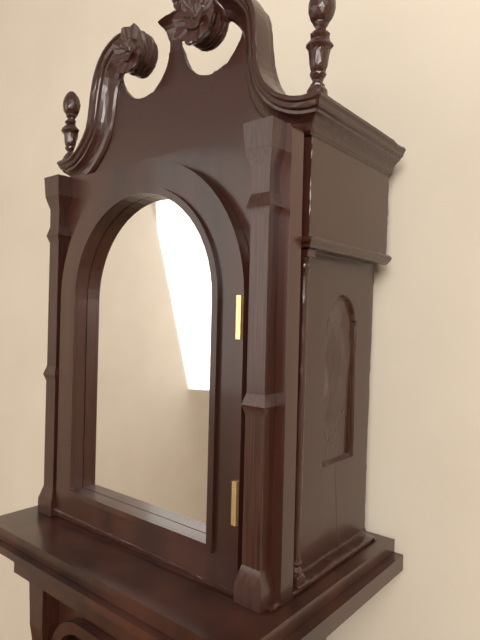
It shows 7,05
